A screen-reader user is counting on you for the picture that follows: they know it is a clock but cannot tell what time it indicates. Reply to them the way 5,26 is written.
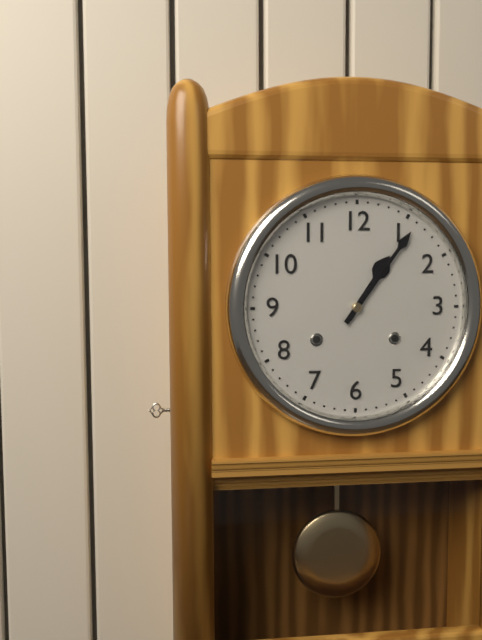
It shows 1,06
